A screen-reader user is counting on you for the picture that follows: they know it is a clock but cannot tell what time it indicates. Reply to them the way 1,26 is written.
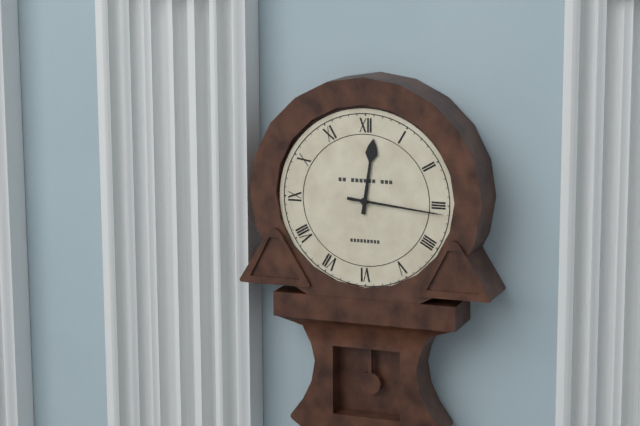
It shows 12,16
